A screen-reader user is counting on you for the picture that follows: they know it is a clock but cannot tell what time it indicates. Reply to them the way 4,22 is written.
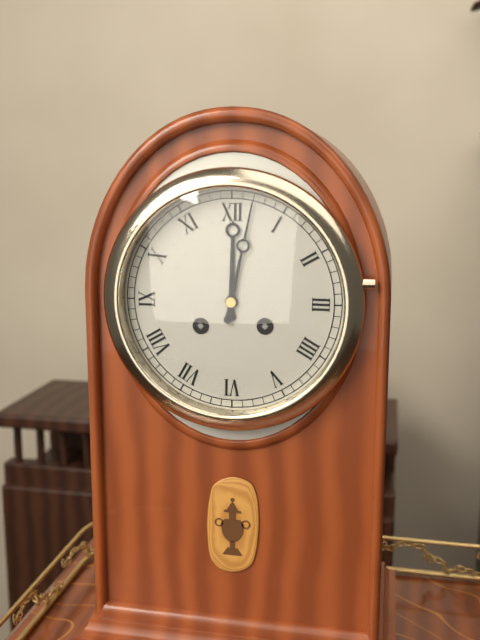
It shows 12,02
